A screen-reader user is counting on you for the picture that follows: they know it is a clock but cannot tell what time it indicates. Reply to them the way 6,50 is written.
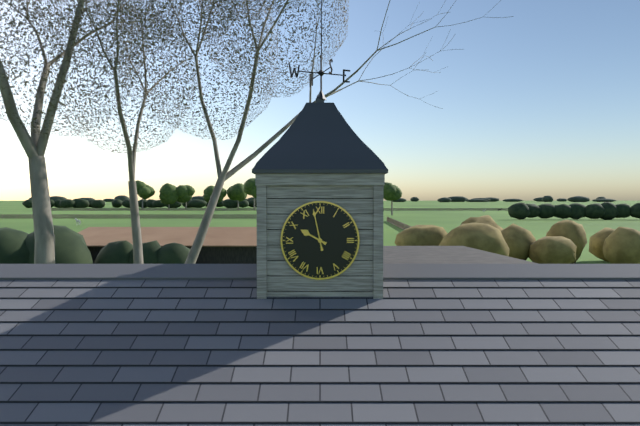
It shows 9,58
